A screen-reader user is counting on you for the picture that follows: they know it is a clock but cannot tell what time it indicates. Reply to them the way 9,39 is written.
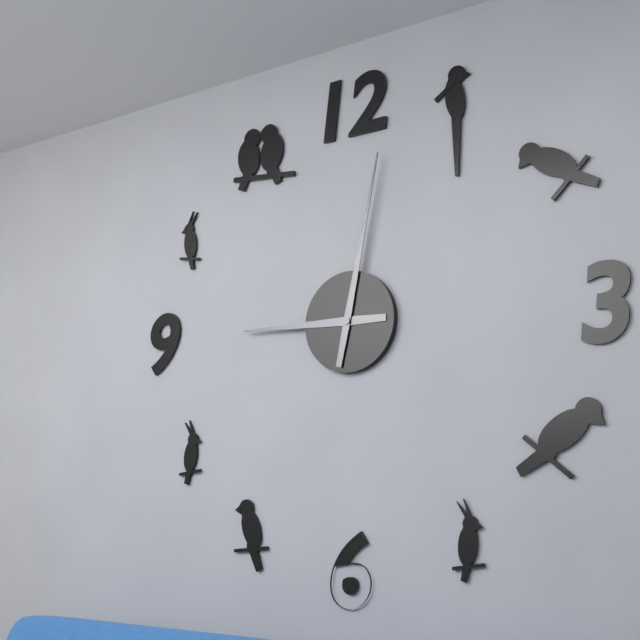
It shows 9,02
